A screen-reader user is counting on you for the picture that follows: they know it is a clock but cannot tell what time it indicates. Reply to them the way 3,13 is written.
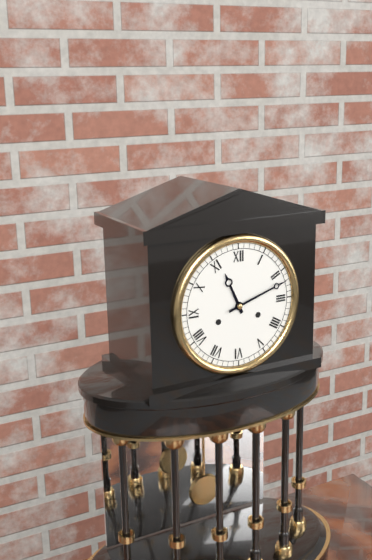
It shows 11,12
